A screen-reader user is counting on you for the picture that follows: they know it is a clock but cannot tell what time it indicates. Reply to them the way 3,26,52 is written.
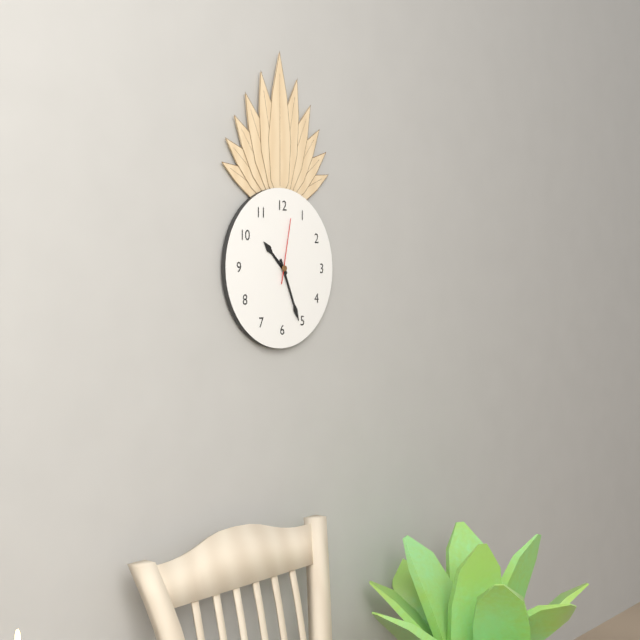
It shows 10,26,02
